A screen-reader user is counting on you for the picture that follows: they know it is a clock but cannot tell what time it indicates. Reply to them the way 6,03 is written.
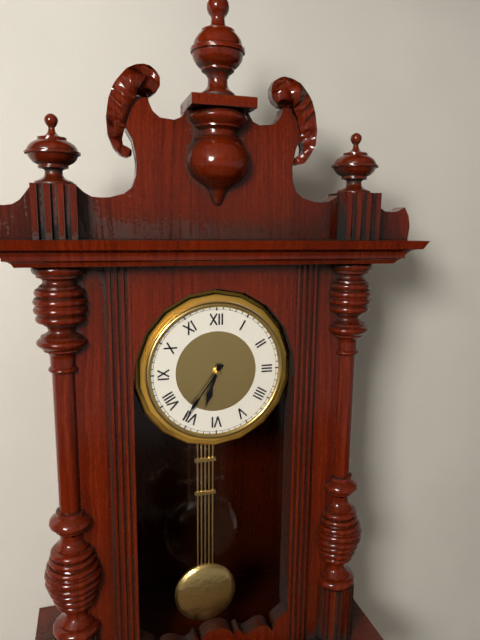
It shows 6,36
